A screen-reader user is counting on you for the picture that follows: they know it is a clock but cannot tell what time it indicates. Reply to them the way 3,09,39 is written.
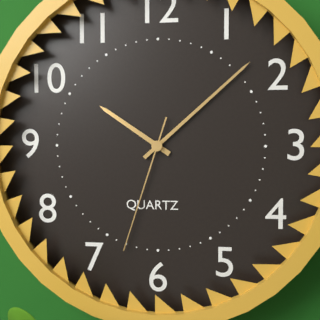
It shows 10,08,33
